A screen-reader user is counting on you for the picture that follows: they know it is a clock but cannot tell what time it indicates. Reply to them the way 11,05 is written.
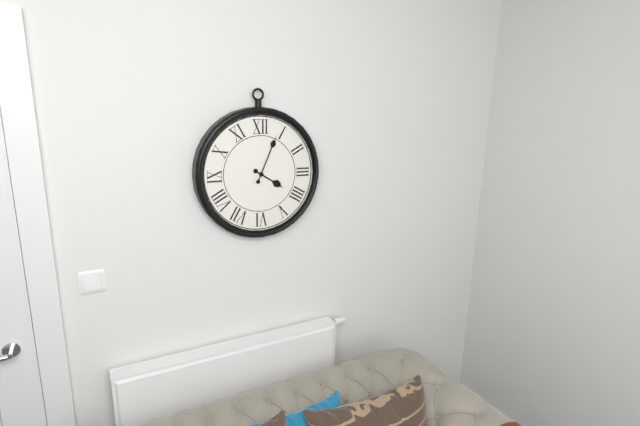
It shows 4,04
